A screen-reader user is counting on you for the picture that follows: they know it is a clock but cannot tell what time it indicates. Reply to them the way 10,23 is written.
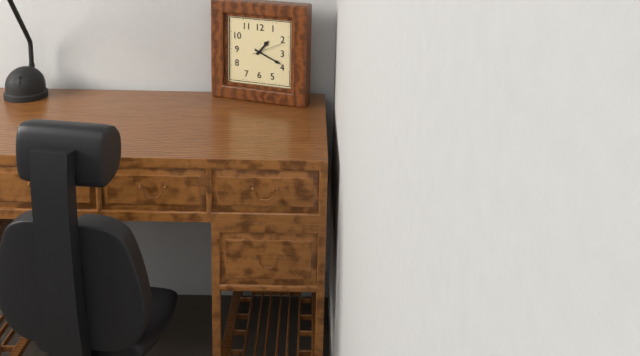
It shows 1,19
